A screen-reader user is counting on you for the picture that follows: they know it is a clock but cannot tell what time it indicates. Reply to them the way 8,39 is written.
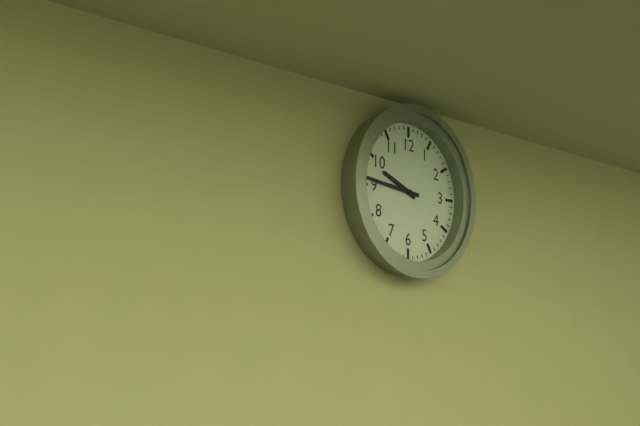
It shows 9,46
